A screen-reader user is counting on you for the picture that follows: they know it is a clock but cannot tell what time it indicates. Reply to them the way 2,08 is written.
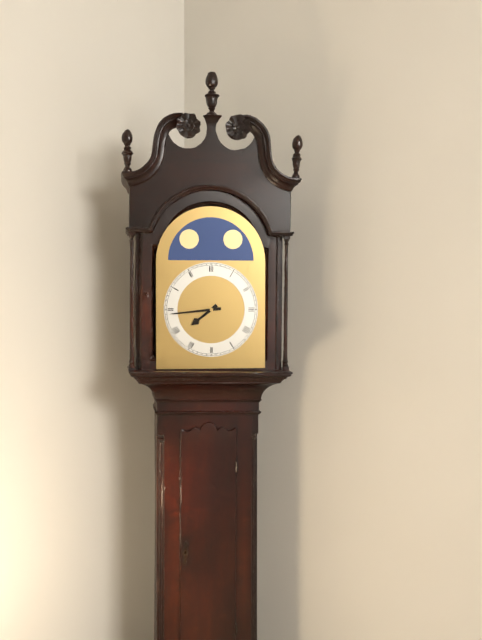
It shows 7,44
